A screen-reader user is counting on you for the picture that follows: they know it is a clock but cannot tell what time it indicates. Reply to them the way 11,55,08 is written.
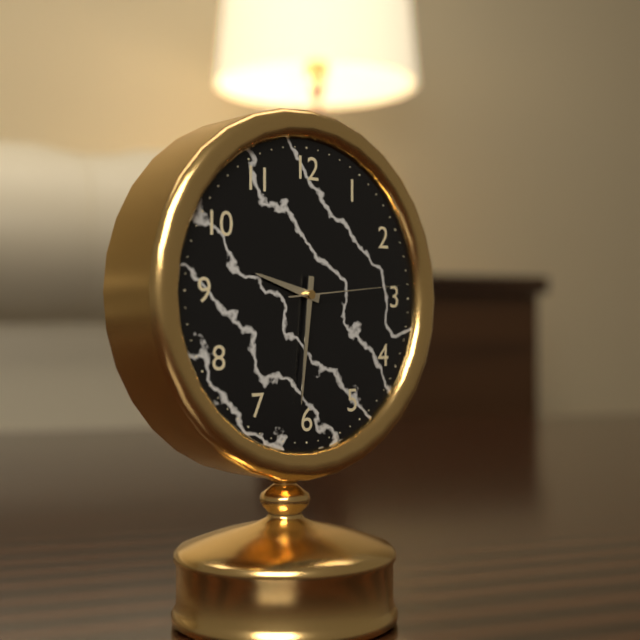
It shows 9,31,14
